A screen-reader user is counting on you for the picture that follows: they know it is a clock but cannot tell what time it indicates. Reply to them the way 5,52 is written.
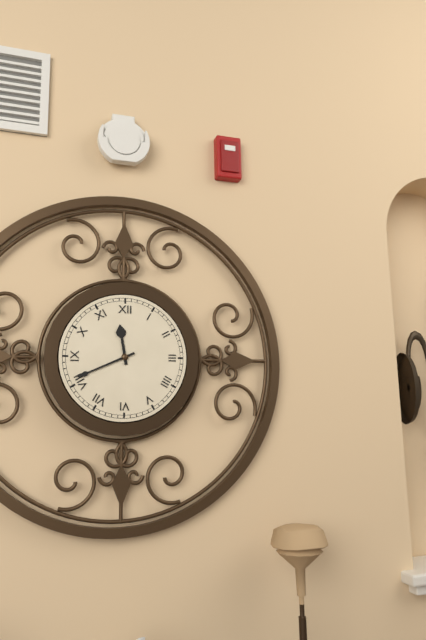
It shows 11,41
